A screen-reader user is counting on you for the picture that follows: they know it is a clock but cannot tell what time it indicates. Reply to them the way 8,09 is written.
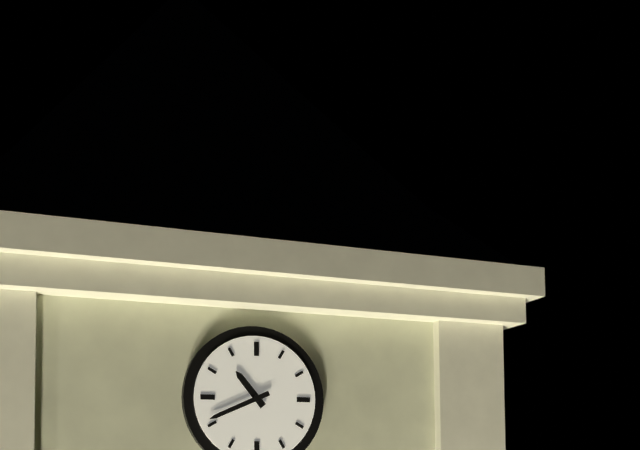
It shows 10,41
